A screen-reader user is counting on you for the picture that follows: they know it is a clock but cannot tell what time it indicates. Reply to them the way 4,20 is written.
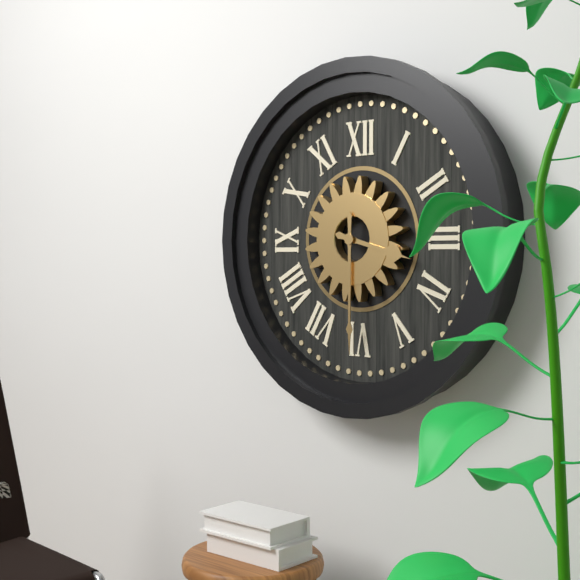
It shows 3,30
